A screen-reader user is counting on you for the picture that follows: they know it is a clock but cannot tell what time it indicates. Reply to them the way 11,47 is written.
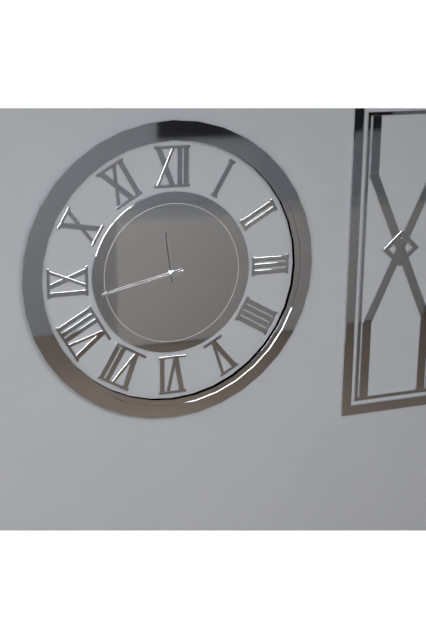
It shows 11,43
